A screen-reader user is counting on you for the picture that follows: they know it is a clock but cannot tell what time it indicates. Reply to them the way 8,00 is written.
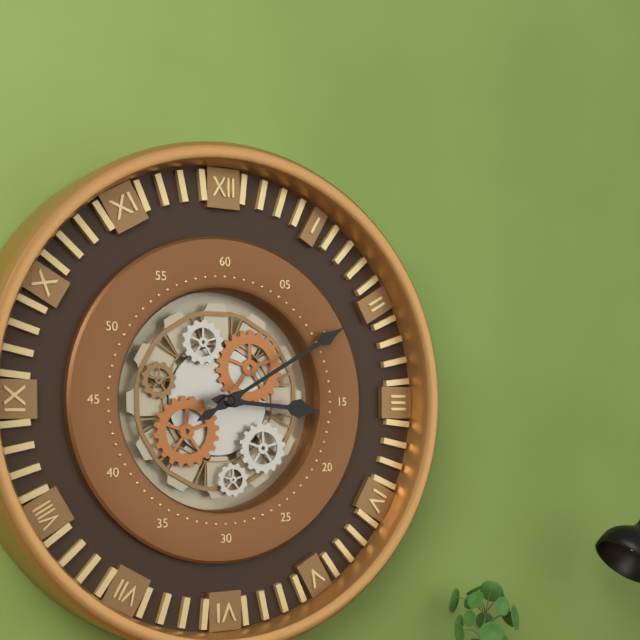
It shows 3,10
